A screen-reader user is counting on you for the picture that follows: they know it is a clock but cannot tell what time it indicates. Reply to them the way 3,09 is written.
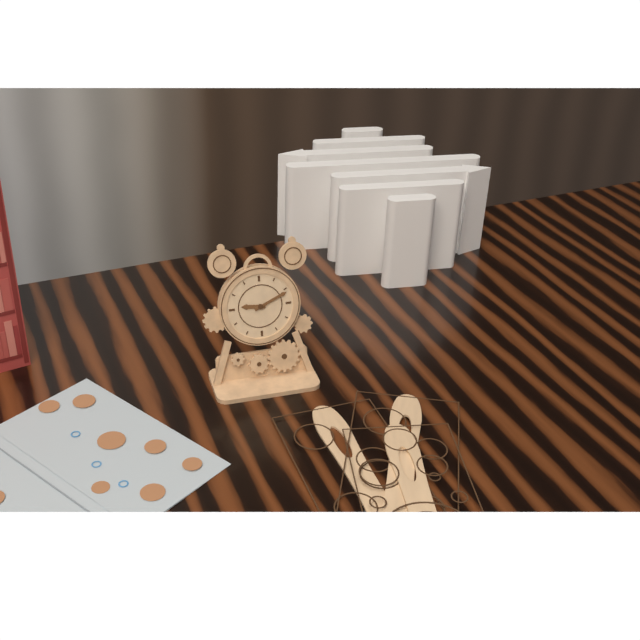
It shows 9,11
